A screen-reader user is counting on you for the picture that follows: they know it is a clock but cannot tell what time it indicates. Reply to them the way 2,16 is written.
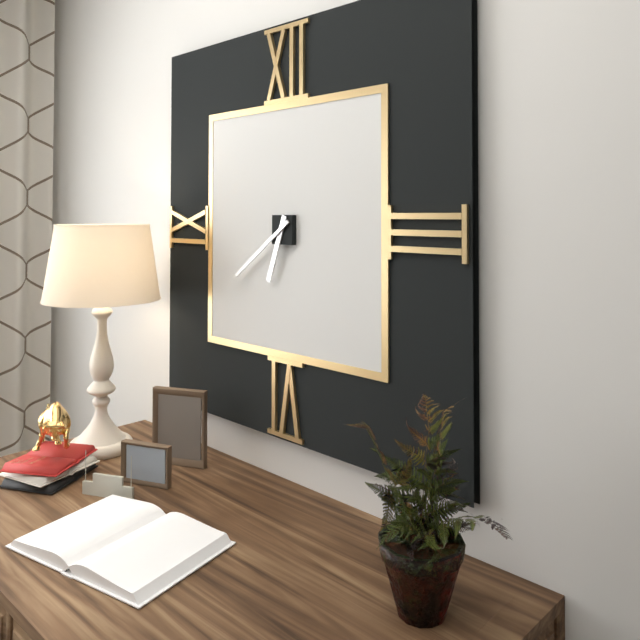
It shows 6,39
